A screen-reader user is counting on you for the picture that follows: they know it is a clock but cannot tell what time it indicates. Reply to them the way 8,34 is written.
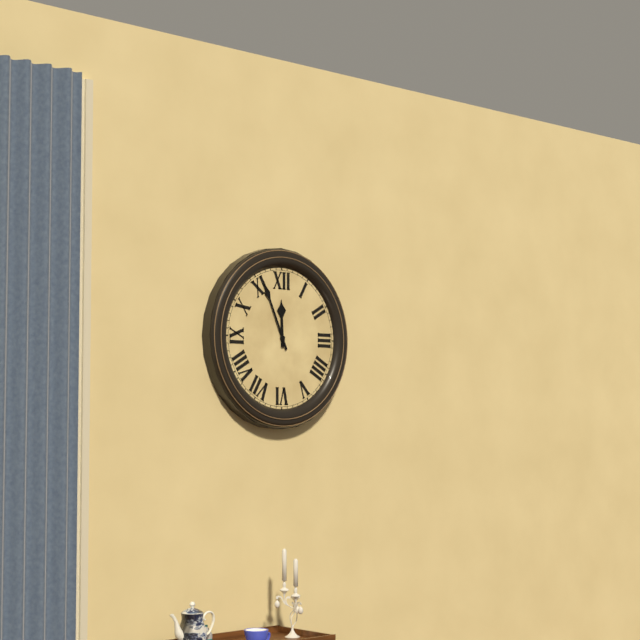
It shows 11,56
